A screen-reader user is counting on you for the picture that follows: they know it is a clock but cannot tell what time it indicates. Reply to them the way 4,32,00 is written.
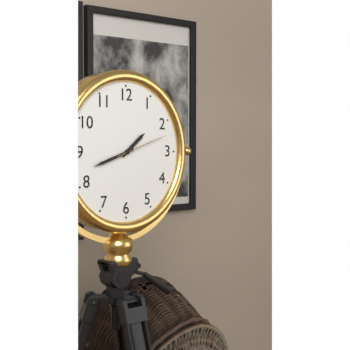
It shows 1,42,12
